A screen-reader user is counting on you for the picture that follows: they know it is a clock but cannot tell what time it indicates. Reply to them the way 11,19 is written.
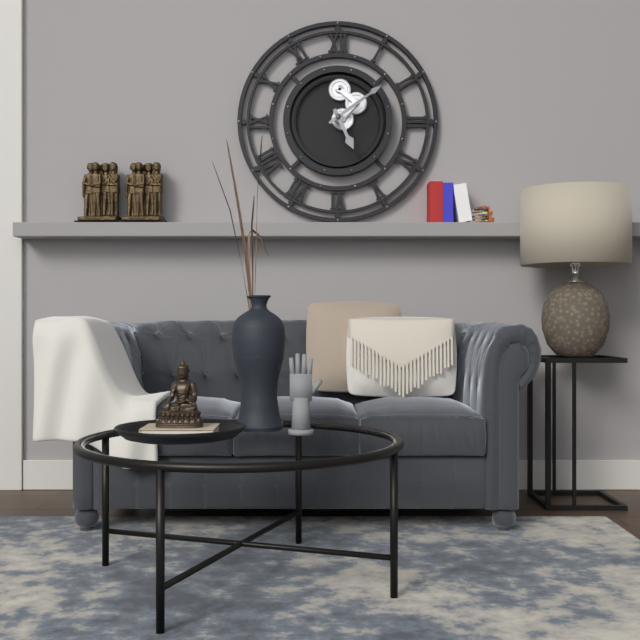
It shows 5,09
